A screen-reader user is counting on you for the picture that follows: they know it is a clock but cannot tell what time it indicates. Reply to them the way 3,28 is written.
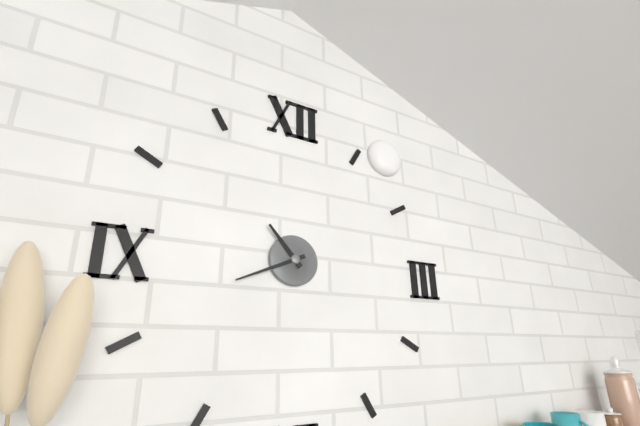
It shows 10,41
